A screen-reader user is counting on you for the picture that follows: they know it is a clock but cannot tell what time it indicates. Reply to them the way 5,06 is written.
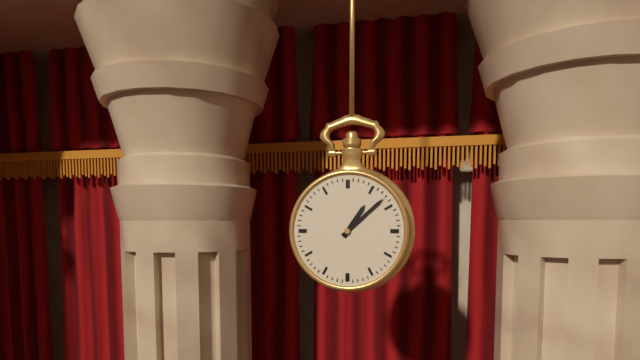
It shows 1,08
